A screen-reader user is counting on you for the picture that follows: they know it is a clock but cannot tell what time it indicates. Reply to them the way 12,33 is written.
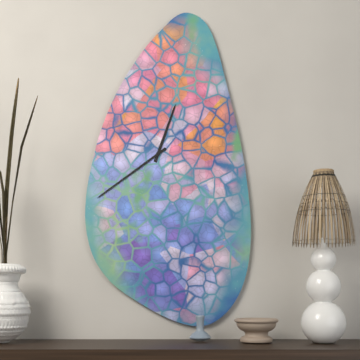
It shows 12,39
